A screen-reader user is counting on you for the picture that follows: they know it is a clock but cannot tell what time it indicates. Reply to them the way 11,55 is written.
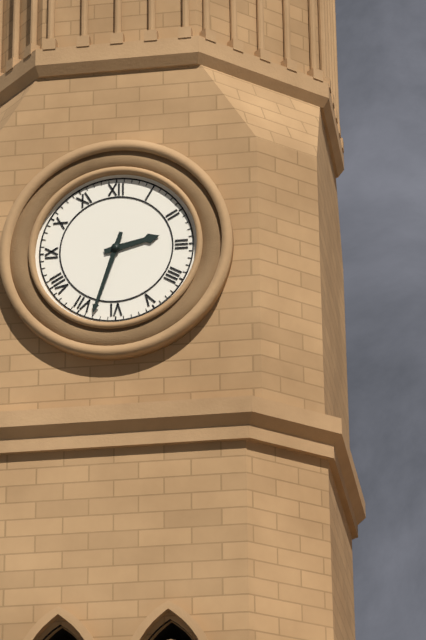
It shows 2,33
